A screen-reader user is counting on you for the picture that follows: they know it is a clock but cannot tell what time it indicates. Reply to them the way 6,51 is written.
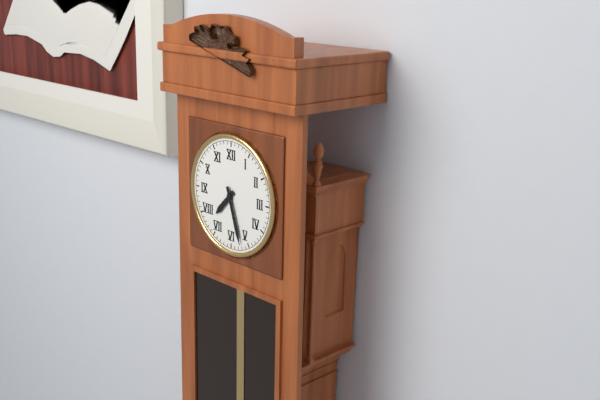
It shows 7,27
